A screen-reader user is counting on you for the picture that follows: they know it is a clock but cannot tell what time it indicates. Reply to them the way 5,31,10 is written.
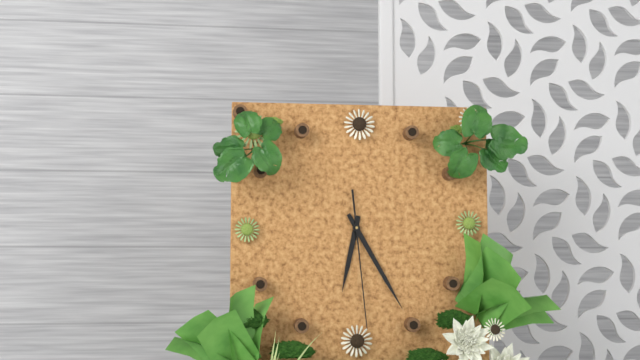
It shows 6,25,29
